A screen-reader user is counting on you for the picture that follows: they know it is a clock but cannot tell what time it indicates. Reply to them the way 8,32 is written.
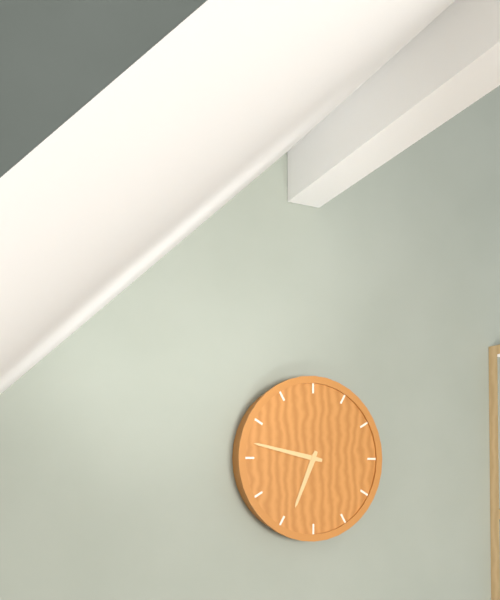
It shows 6,47
